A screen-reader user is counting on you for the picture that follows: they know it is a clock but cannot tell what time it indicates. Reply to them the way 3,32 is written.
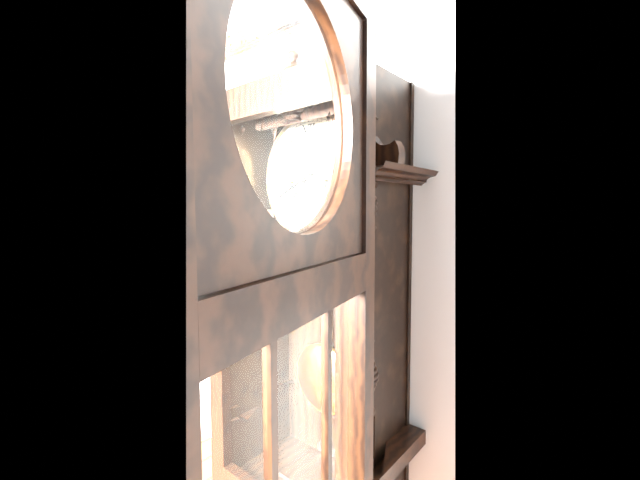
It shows 7,41
